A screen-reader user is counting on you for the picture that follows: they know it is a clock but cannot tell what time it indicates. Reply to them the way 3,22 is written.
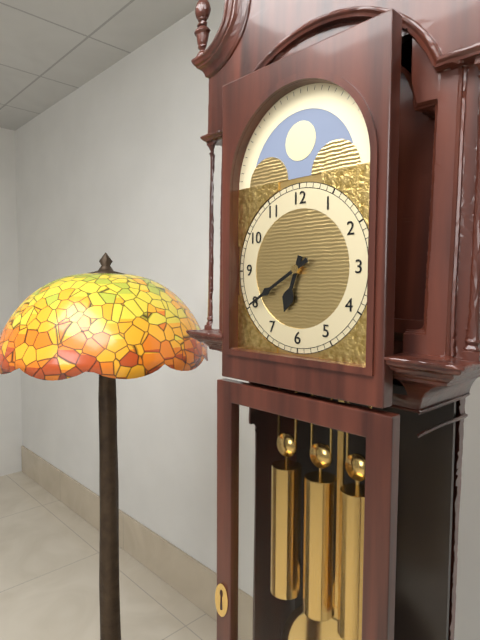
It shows 6,40
